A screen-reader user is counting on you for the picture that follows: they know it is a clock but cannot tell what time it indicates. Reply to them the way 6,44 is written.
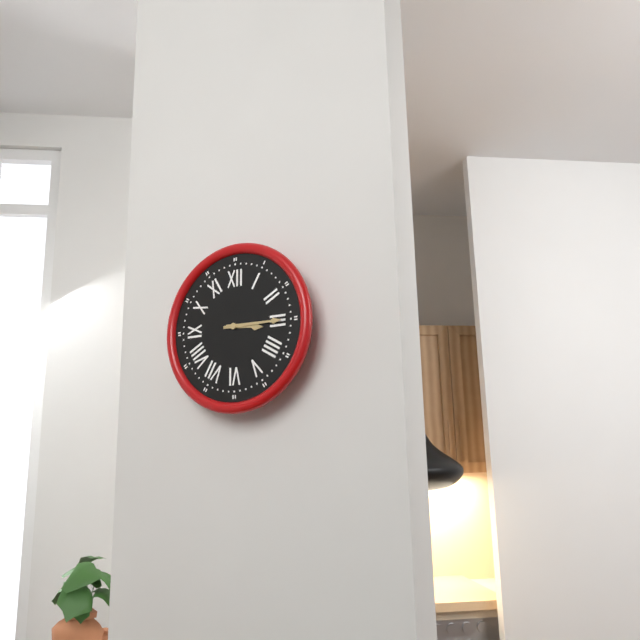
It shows 3,15
